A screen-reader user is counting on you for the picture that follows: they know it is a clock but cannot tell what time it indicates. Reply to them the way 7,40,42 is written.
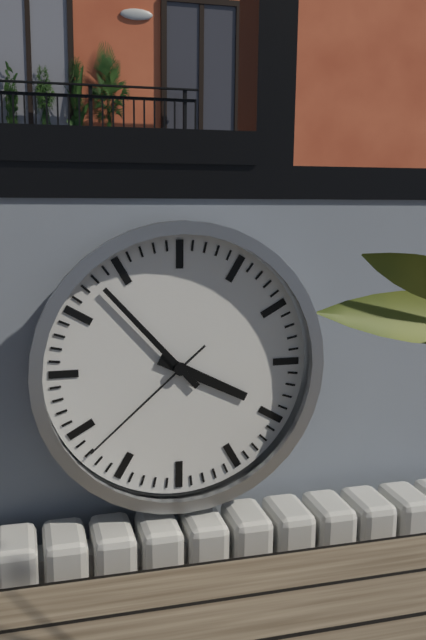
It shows 3,53,38
